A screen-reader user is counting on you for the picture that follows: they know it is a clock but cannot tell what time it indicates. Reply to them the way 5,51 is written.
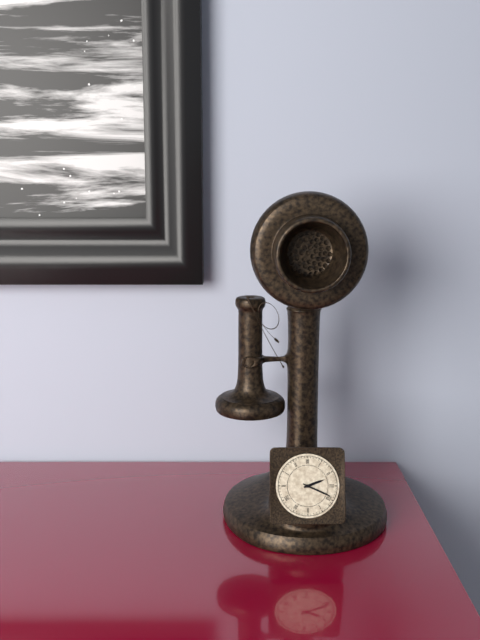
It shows 2,19
